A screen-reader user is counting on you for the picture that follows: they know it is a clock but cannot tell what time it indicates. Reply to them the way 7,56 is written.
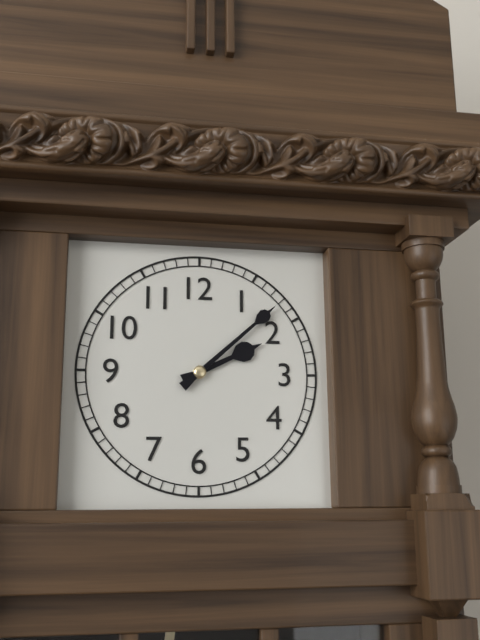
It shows 2,08
